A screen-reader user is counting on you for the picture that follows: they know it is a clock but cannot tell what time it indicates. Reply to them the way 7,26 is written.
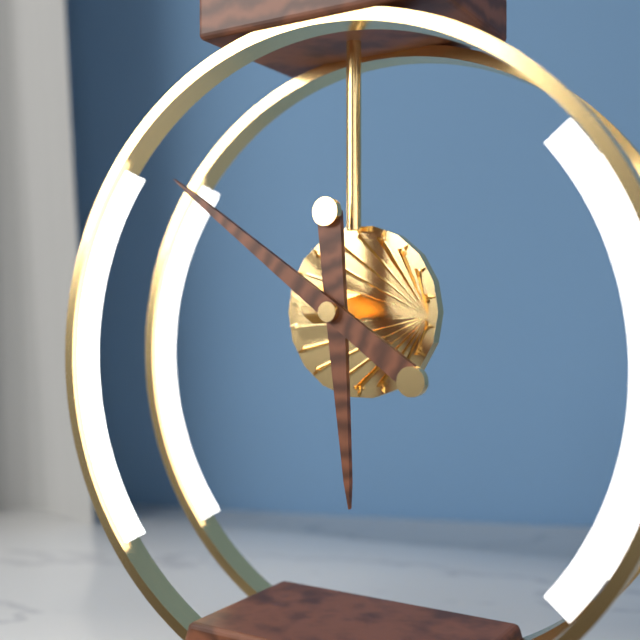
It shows 5,51
